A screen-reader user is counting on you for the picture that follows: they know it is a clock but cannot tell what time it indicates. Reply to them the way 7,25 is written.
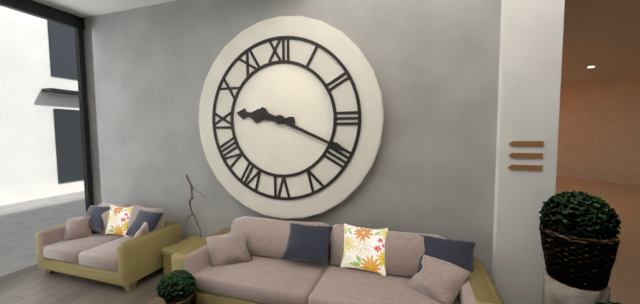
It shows 9,19
